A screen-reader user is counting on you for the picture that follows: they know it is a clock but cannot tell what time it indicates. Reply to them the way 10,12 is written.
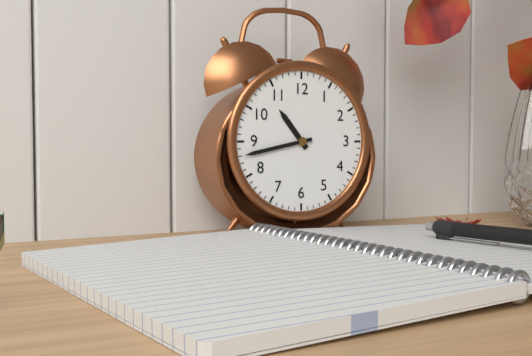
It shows 10,43
